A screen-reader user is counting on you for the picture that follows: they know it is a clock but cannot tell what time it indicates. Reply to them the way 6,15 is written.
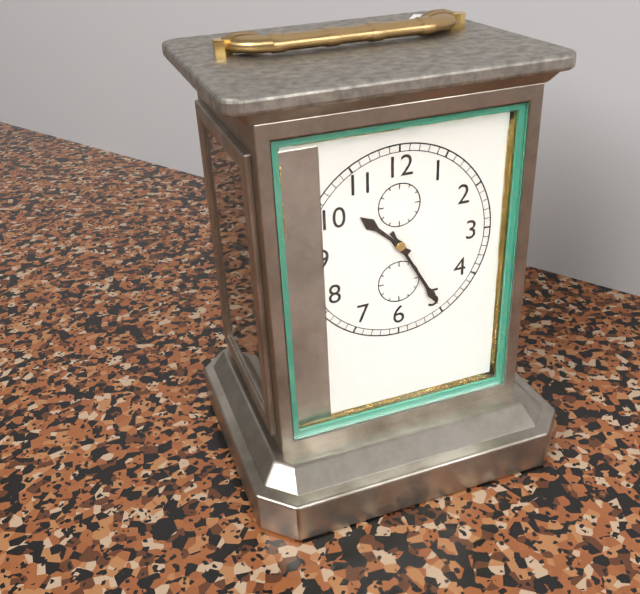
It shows 10,25
